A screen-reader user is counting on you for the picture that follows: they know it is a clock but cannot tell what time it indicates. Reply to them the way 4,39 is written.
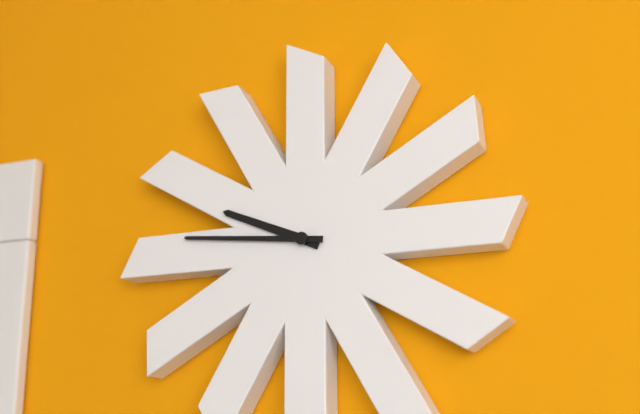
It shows 9,46
